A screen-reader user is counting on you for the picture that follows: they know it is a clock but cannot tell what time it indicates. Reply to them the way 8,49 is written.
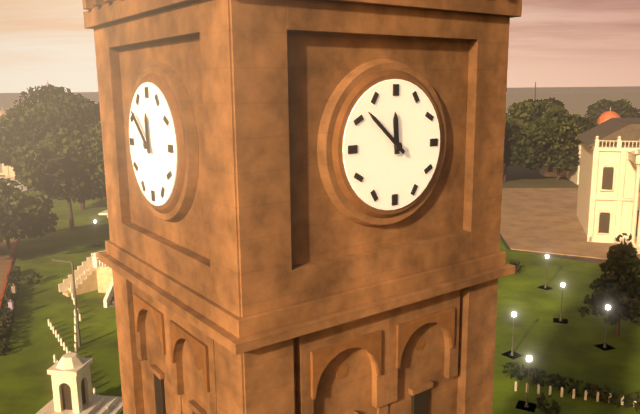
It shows 11,52
